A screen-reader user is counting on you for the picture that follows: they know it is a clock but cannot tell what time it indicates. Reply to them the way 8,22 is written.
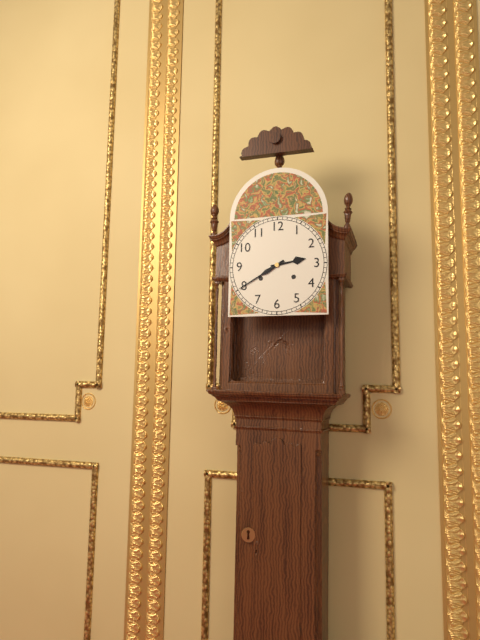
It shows 2,40
